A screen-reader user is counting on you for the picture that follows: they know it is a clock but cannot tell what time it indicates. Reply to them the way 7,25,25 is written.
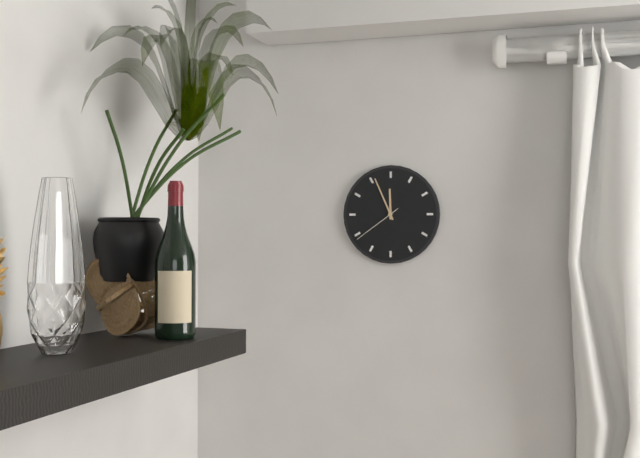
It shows 11,56,39
